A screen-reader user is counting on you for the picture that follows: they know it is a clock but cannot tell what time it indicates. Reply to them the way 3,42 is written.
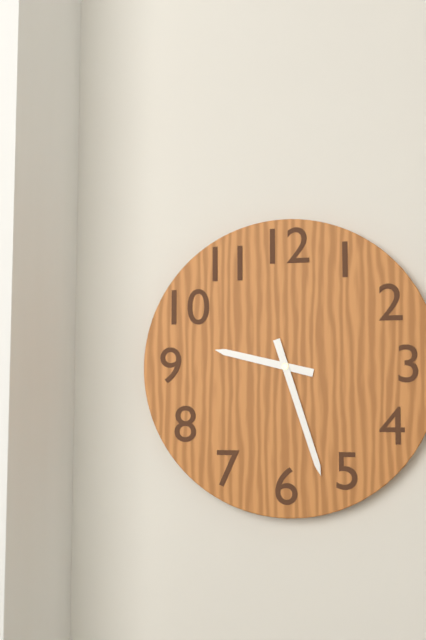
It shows 9,27
